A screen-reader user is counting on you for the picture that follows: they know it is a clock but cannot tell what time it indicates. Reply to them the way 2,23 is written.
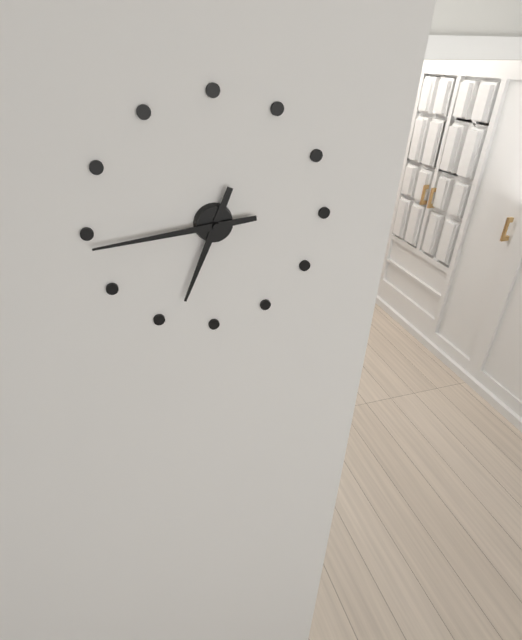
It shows 6,44
